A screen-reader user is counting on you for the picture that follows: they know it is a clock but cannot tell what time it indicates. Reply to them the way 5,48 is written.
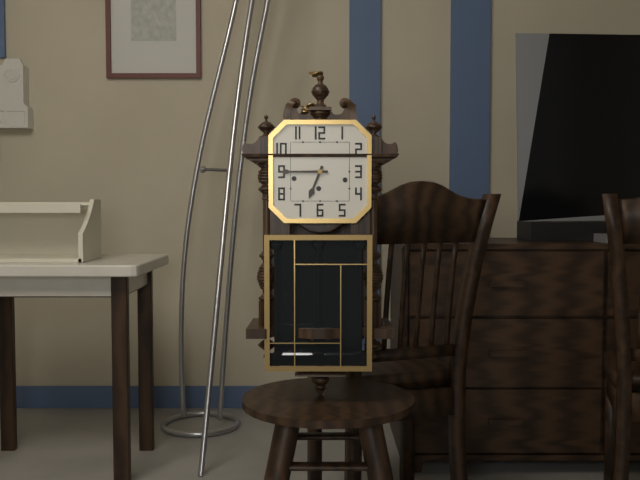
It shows 6,45
